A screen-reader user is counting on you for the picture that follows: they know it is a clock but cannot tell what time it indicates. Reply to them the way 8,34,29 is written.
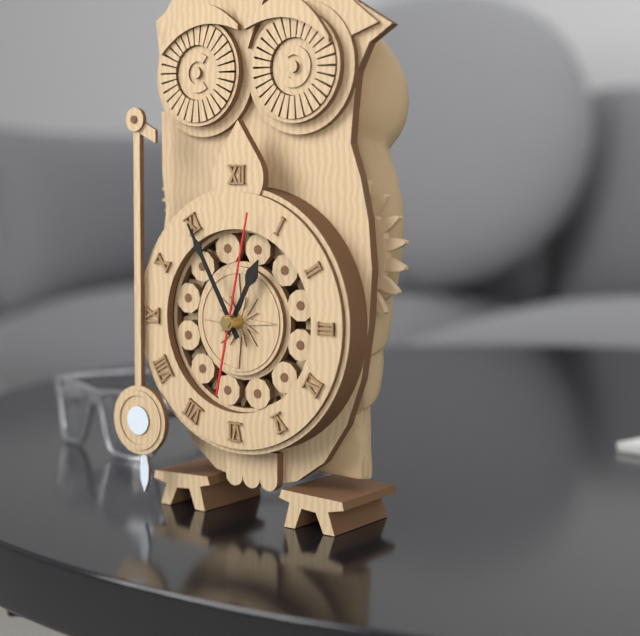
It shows 12,55,02
